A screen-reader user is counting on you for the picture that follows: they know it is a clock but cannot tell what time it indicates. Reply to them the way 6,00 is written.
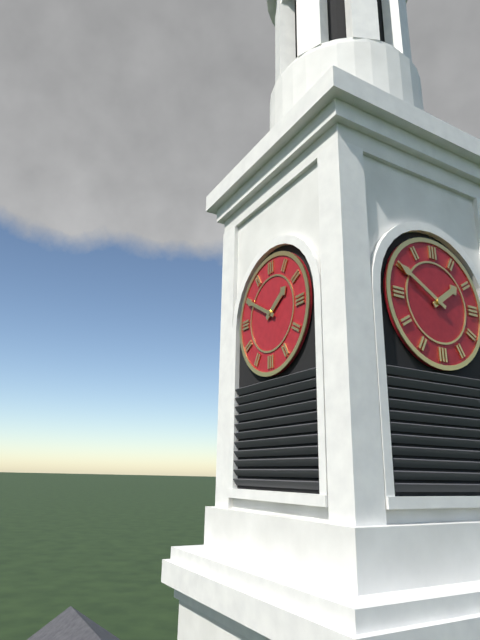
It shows 1,50
